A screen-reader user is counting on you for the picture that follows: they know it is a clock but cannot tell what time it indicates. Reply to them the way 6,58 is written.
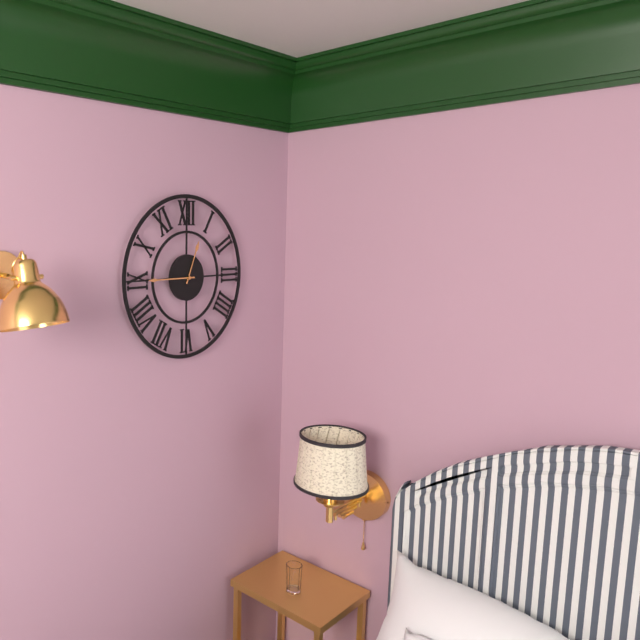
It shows 12,45
